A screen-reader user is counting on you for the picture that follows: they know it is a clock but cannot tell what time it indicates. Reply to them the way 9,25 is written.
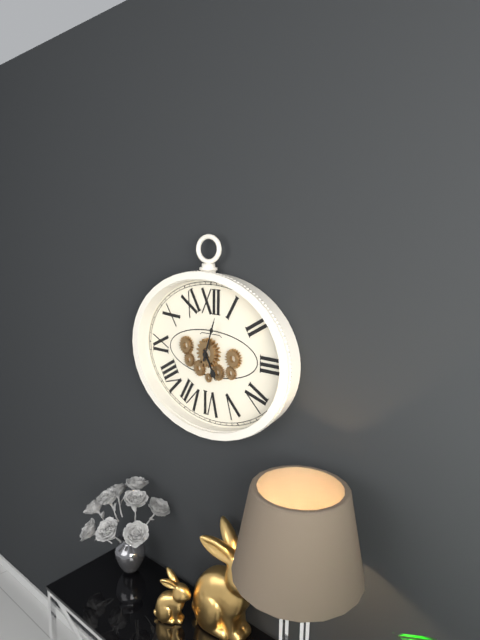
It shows 5,03
